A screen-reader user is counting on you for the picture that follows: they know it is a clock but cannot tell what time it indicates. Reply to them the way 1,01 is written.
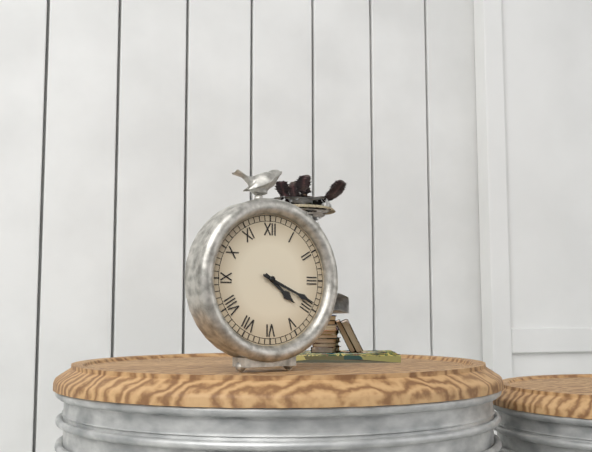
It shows 4,19
